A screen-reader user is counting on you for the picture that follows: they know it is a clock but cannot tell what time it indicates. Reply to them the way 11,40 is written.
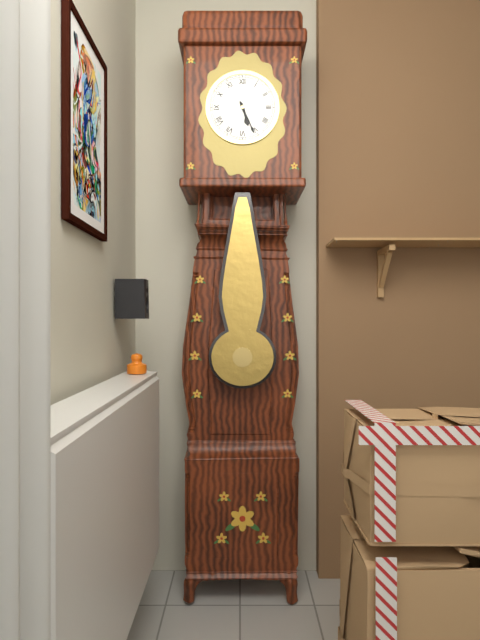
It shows 5,26
